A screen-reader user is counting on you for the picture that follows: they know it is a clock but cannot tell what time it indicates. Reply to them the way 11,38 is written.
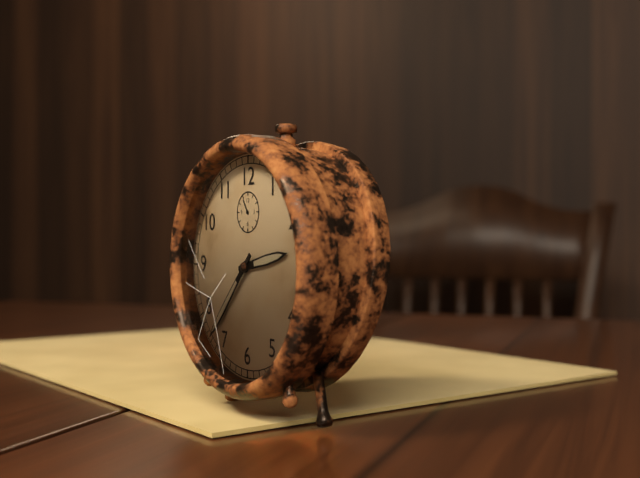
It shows 2,37
